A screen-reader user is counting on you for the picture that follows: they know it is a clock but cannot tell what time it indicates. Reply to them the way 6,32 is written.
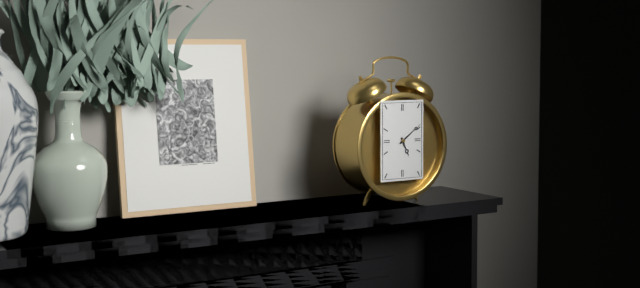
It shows 5,09
